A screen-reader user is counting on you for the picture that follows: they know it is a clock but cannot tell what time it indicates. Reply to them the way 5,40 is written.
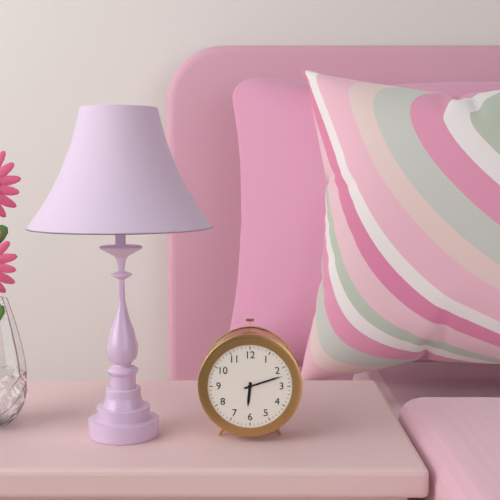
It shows 6,12
